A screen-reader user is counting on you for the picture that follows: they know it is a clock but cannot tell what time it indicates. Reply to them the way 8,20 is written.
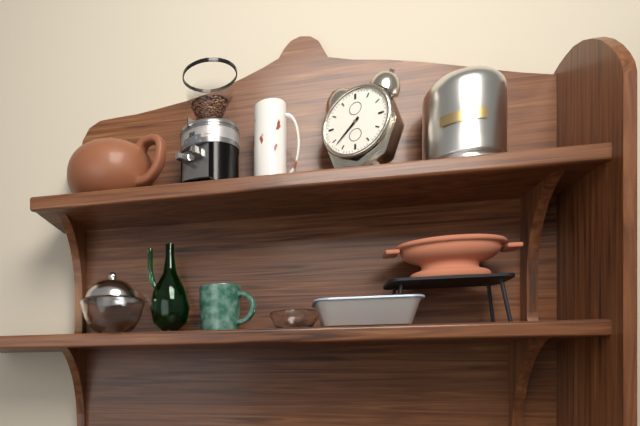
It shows 7,38
